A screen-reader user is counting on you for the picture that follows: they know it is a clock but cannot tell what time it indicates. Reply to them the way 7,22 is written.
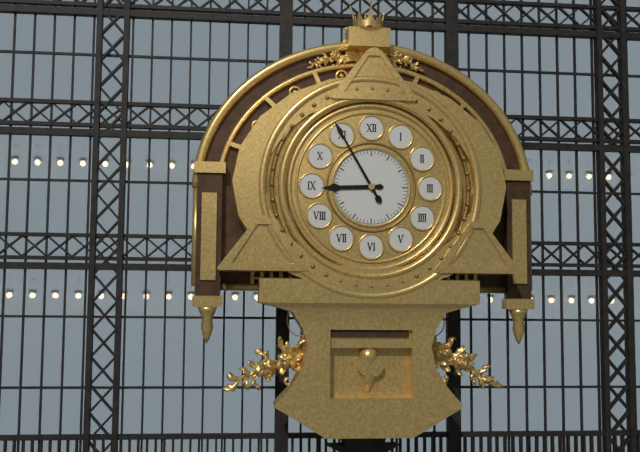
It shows 8,55
